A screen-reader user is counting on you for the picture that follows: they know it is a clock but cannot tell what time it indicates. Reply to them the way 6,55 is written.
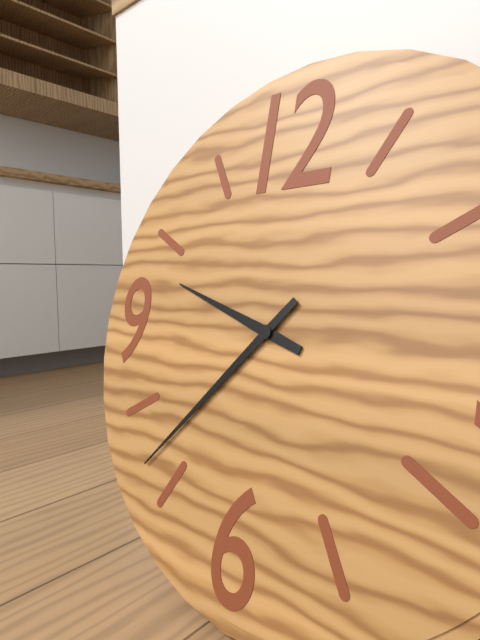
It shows 9,37
